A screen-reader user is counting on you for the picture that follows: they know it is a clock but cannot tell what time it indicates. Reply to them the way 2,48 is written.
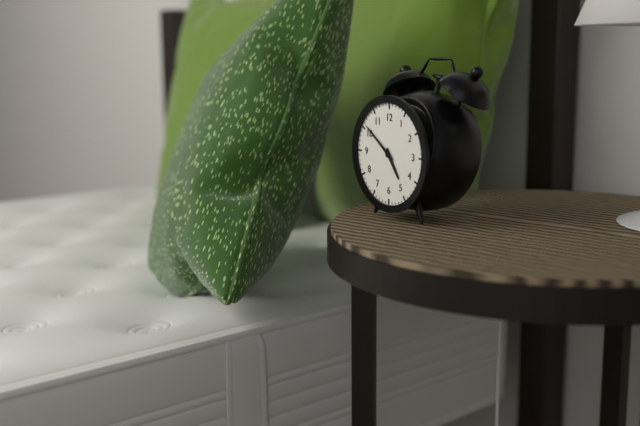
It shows 4,51
